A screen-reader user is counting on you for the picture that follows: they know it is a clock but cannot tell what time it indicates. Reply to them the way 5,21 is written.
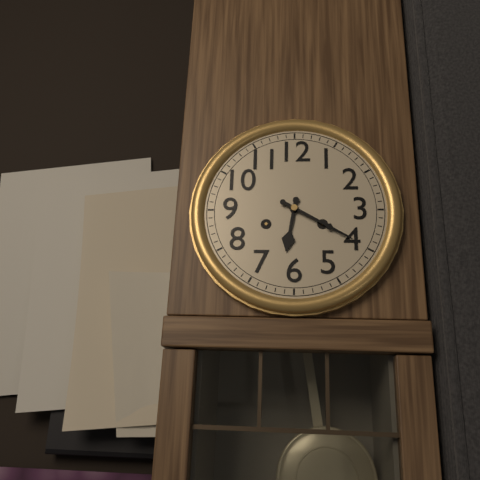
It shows 6,20
